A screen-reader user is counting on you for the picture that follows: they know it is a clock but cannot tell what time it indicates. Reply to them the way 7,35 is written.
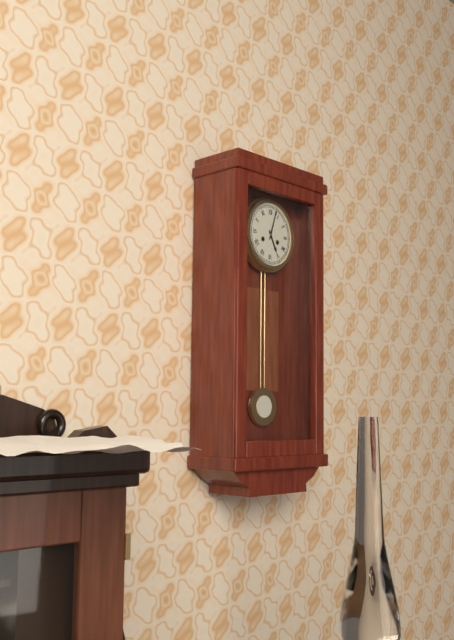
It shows 5,03
